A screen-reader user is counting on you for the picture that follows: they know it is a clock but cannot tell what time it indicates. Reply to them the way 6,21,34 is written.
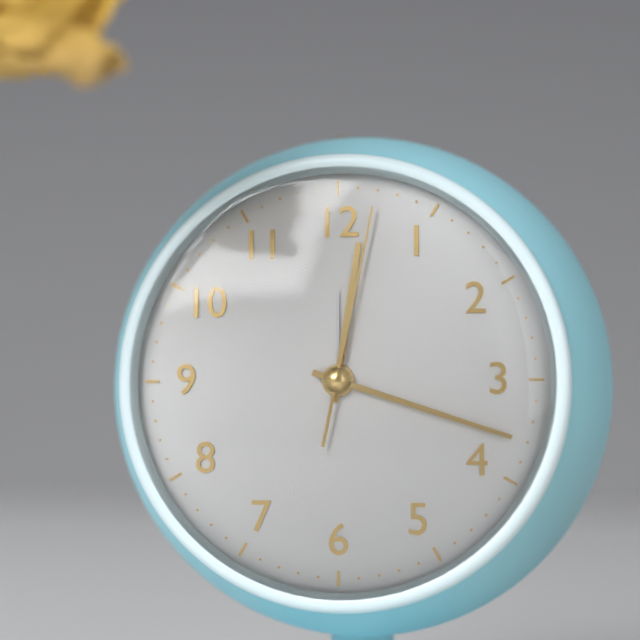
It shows 12,18,02
